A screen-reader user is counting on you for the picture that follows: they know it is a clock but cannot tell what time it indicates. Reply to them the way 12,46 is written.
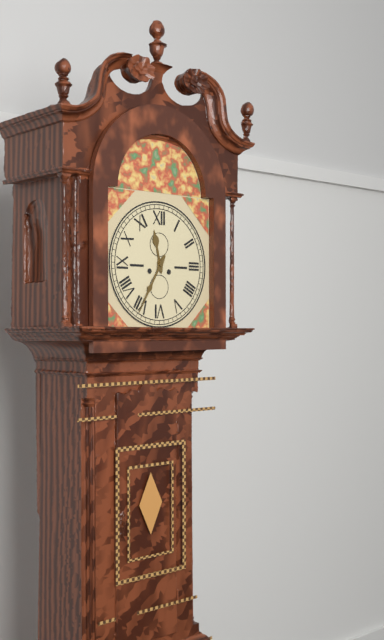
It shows 11,35
